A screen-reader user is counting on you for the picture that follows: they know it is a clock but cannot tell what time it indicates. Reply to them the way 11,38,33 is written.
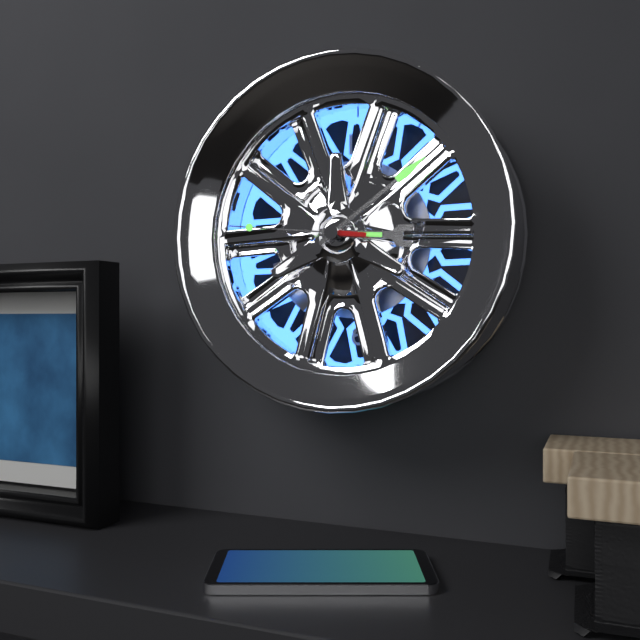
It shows 3,09,46
